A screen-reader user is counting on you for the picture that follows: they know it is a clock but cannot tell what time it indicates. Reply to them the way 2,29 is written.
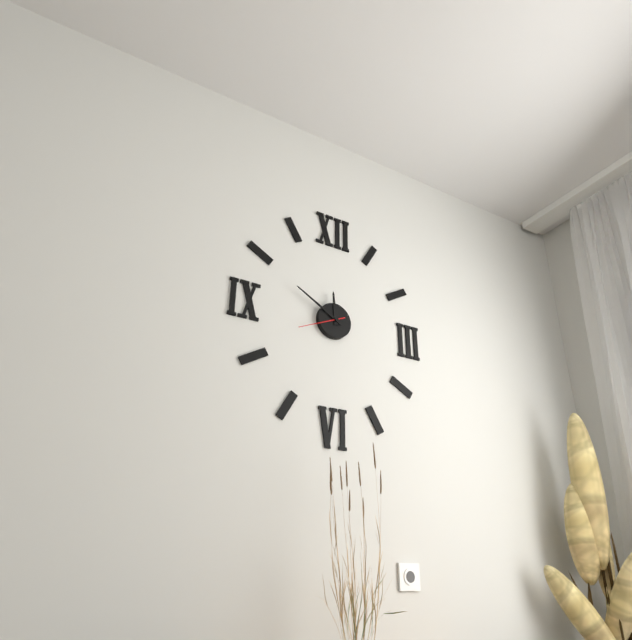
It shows 11,50
